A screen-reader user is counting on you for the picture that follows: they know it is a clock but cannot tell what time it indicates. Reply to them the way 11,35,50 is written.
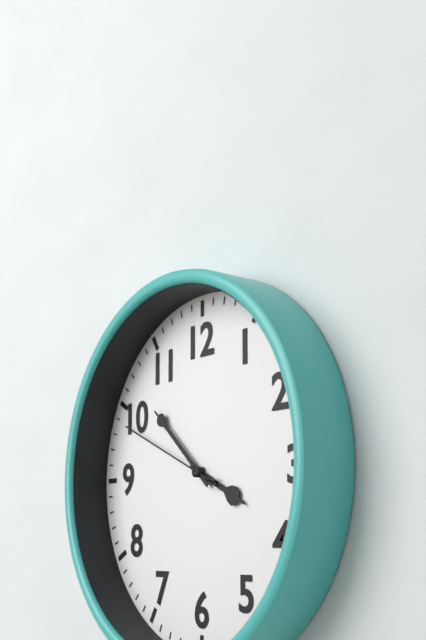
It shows 3,52,49
